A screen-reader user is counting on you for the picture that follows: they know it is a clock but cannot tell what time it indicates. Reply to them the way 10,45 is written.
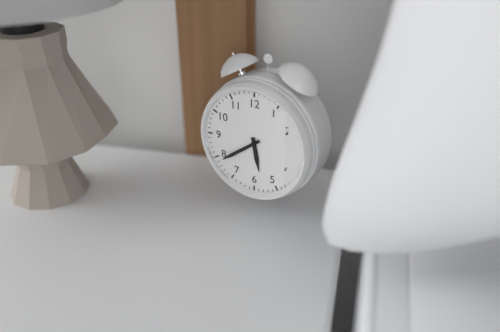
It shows 5,39
